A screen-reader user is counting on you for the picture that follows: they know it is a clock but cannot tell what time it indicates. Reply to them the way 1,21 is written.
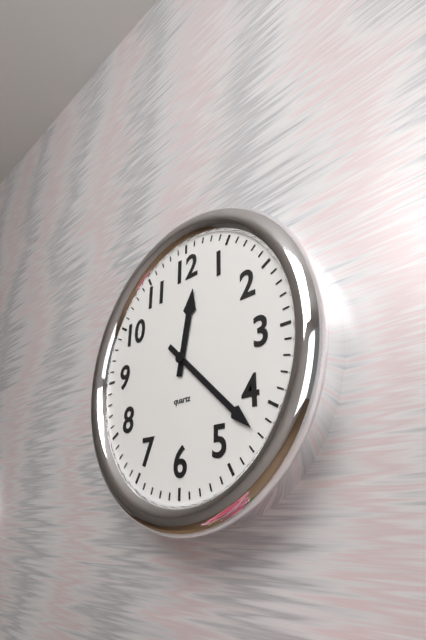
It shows 12,22
